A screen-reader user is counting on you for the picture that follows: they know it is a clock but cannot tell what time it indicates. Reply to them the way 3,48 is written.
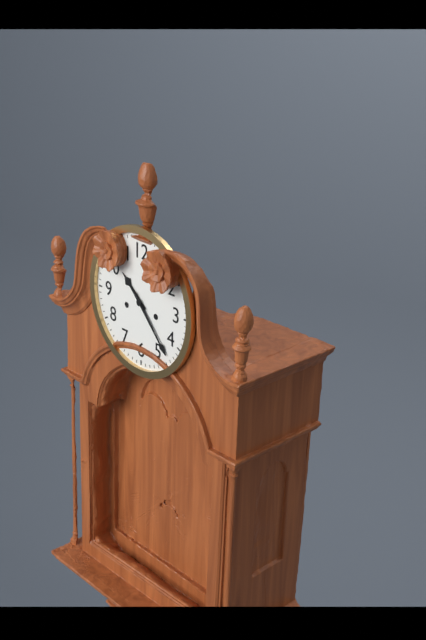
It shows 10,23
